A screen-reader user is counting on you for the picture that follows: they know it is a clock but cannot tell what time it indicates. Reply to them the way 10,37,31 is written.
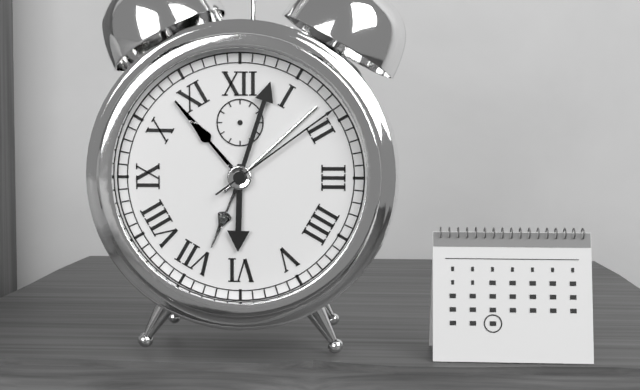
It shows 6,03,09
